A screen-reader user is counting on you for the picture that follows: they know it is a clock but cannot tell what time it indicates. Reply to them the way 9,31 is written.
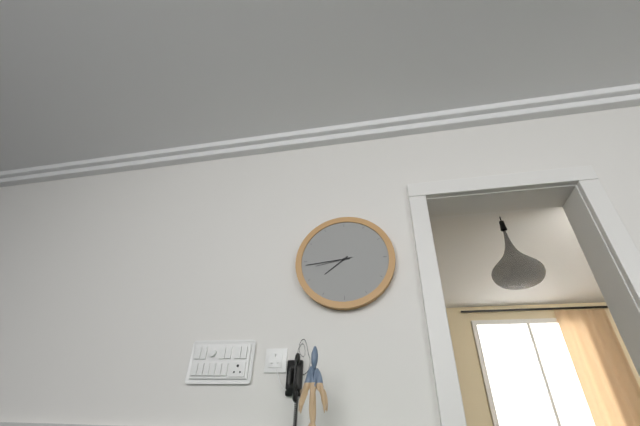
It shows 7,44
